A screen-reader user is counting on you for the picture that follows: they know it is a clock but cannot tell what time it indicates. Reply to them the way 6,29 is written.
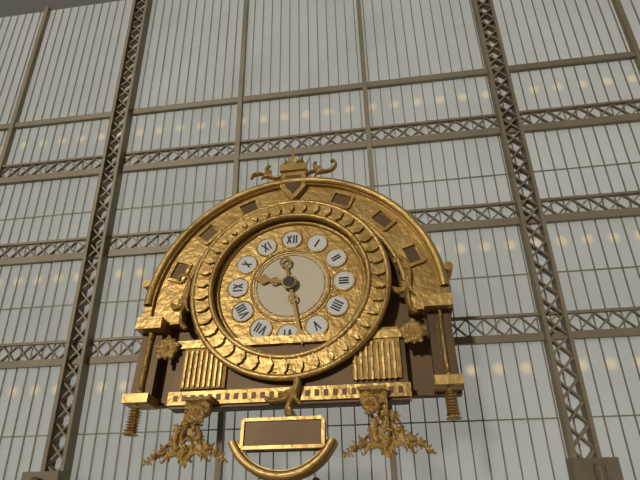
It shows 9,28
